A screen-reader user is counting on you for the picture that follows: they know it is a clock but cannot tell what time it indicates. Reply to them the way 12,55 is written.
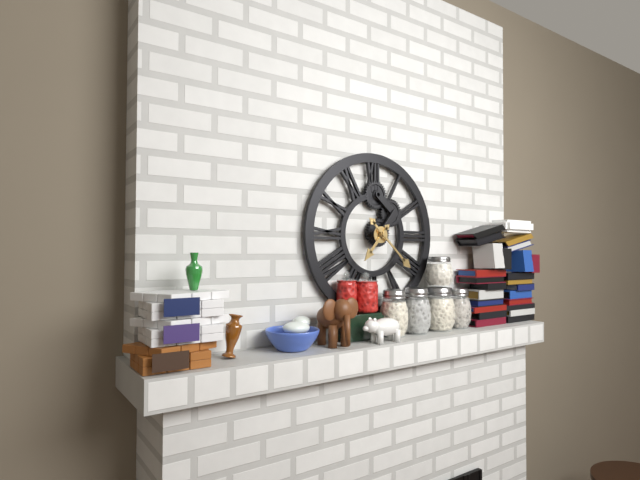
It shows 7,22
